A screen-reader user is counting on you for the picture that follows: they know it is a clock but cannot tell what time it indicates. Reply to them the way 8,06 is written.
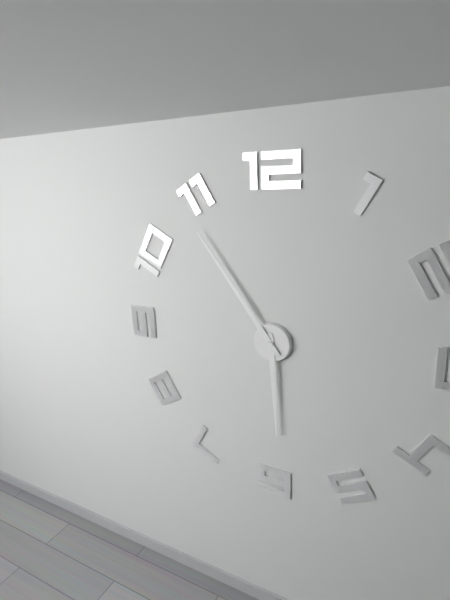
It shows 5,54
